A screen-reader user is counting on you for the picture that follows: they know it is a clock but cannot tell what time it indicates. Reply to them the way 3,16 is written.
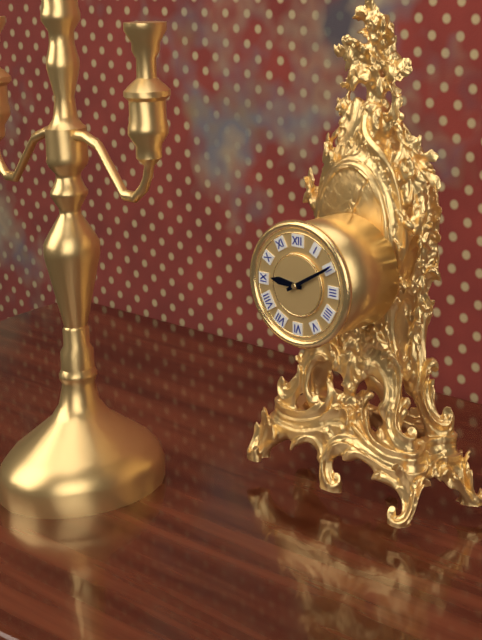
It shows 9,10
